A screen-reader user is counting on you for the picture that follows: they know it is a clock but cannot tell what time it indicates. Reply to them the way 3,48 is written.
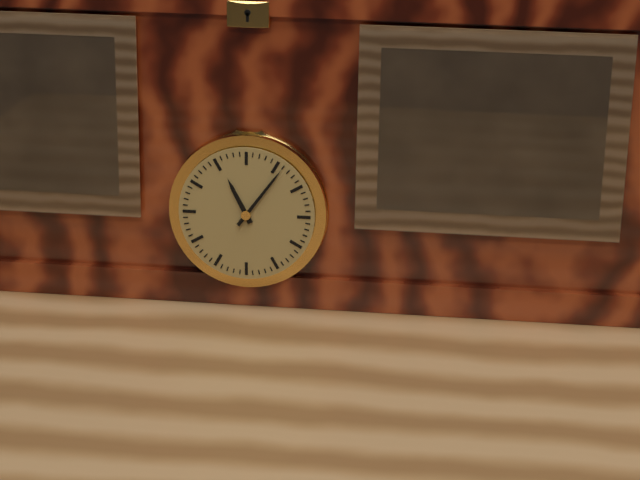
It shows 11,06
